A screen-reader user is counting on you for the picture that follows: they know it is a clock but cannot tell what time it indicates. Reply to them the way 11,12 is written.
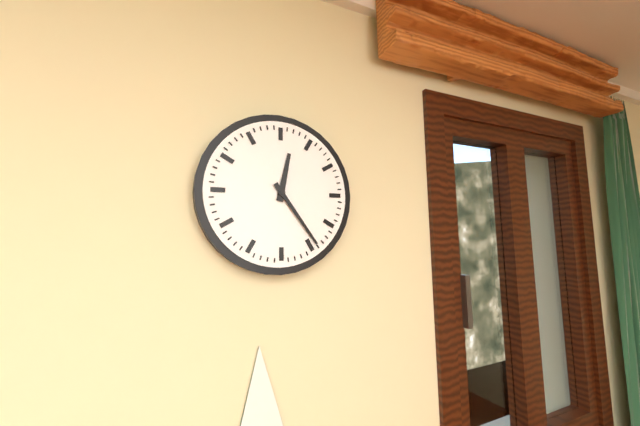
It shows 12,24
